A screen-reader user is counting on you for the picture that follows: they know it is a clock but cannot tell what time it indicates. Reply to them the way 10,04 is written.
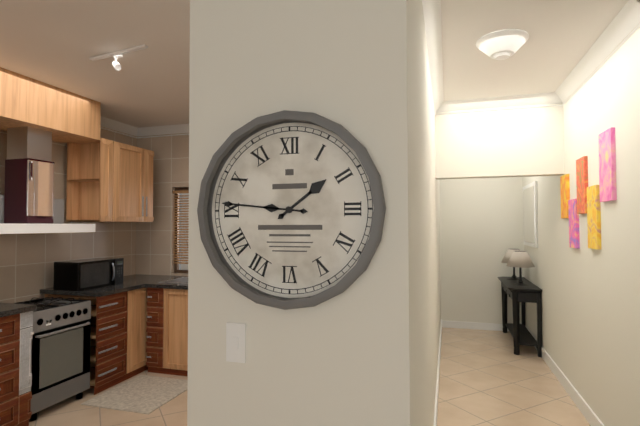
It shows 1,46
